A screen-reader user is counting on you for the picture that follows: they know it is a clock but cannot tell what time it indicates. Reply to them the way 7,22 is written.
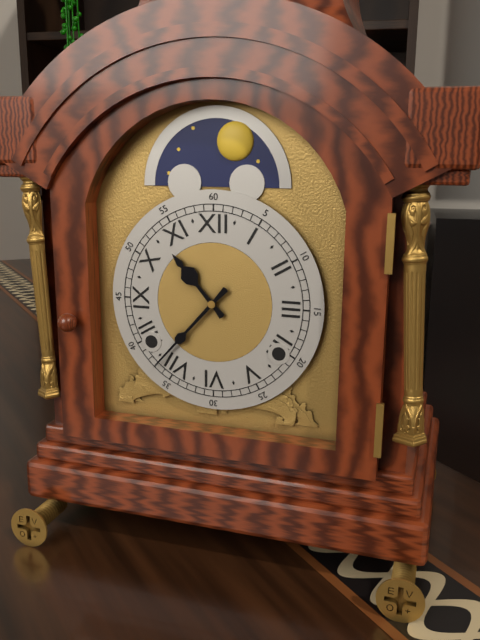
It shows 10,37
